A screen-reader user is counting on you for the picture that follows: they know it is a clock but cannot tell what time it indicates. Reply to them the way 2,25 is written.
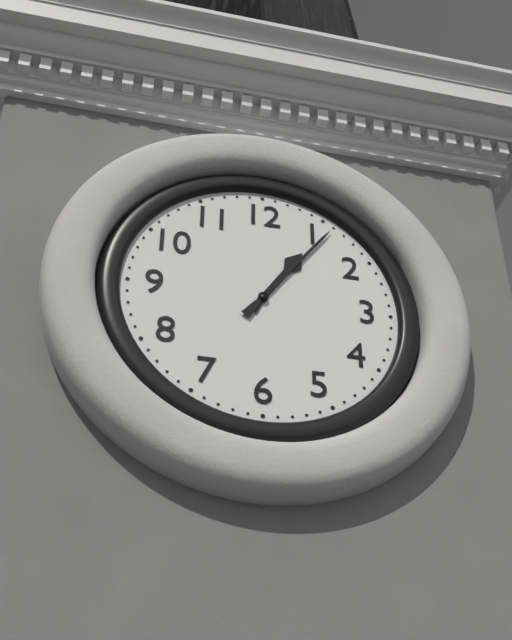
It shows 1,06
